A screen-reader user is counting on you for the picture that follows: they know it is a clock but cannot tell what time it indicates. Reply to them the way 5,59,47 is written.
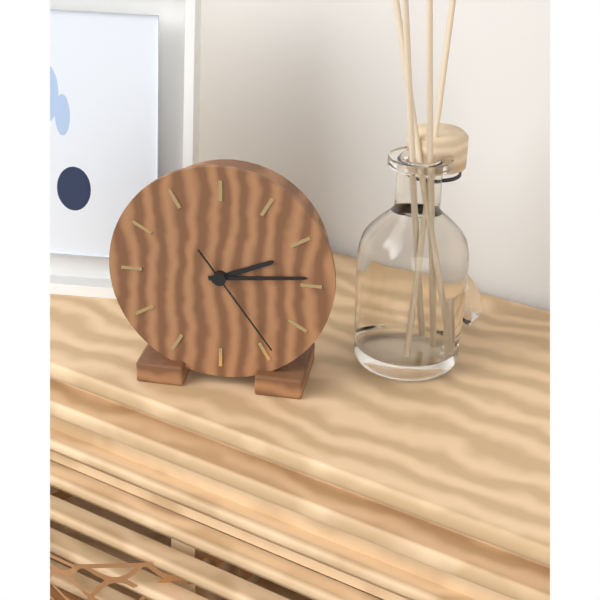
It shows 2,14,24
